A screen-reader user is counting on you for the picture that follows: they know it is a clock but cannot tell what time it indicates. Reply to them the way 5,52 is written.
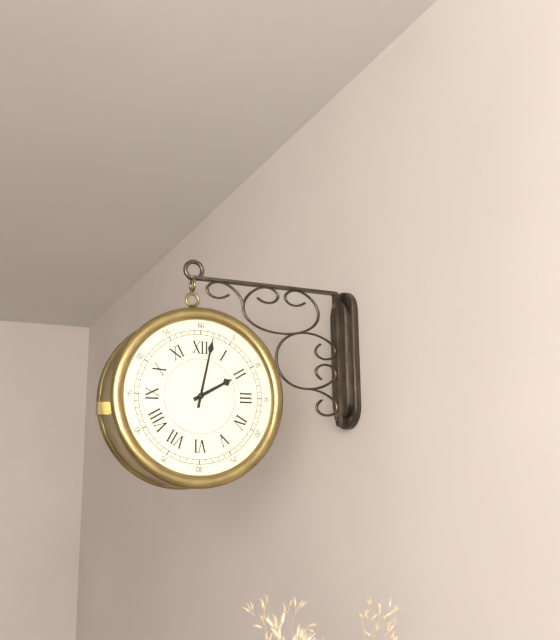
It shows 2,02
